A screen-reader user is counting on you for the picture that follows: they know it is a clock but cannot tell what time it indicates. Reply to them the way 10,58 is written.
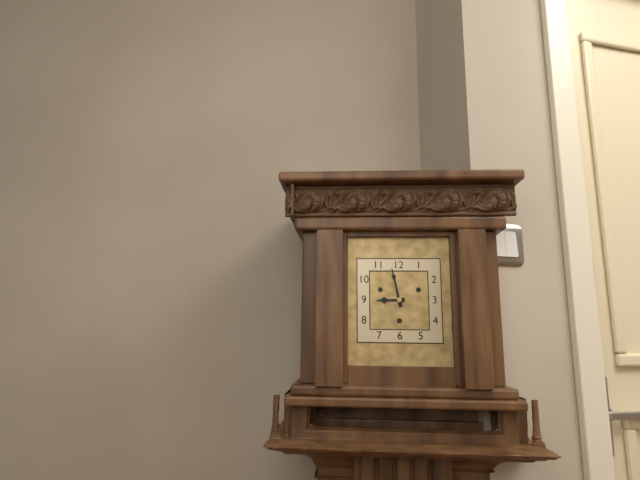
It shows 8,58
